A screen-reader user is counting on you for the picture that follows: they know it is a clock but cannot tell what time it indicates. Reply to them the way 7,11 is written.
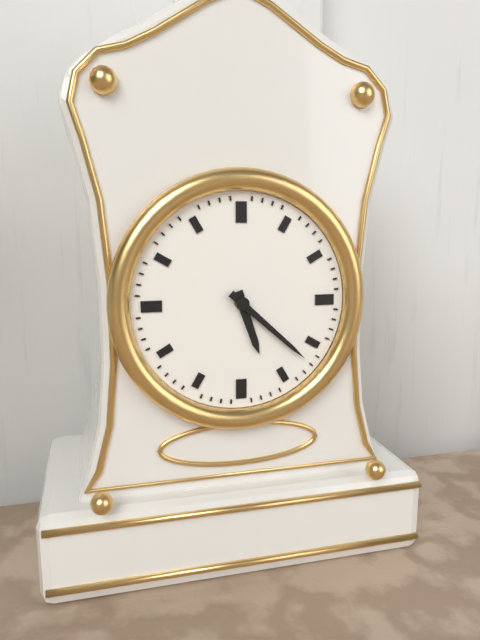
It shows 5,22
